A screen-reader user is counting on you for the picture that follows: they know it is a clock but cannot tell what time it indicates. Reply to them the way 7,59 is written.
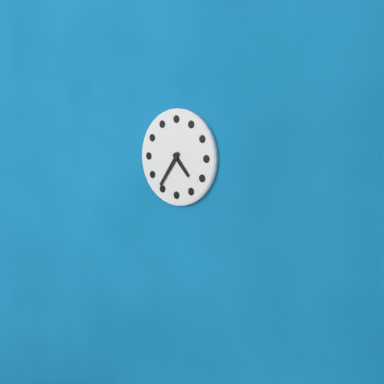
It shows 4,36
